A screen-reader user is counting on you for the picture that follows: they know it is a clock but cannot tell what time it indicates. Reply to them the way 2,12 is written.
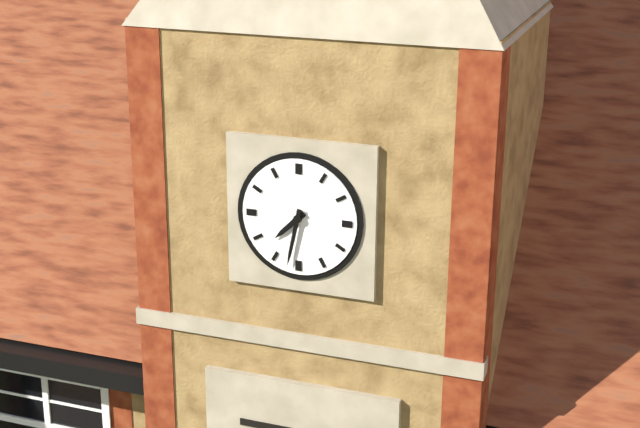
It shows 7,32
